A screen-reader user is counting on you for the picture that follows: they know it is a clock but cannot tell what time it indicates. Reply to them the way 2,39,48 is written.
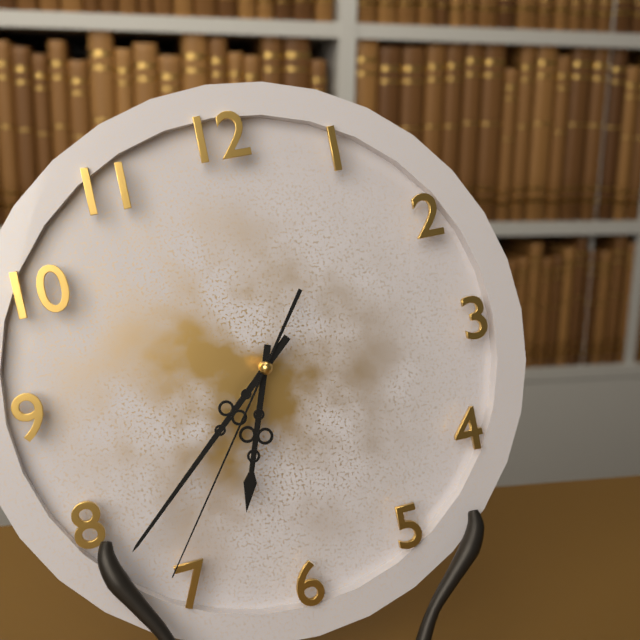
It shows 6,38,36
